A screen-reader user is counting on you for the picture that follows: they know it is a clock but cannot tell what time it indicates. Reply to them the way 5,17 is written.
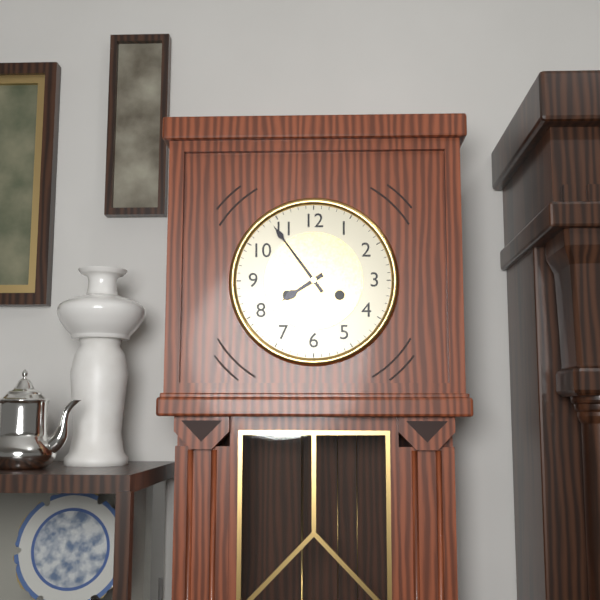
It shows 7,54
